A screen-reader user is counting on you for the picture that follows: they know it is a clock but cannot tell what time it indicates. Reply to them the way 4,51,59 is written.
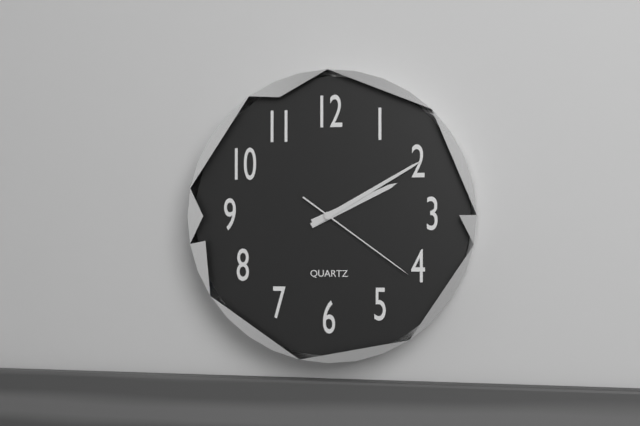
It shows 2,10,21
